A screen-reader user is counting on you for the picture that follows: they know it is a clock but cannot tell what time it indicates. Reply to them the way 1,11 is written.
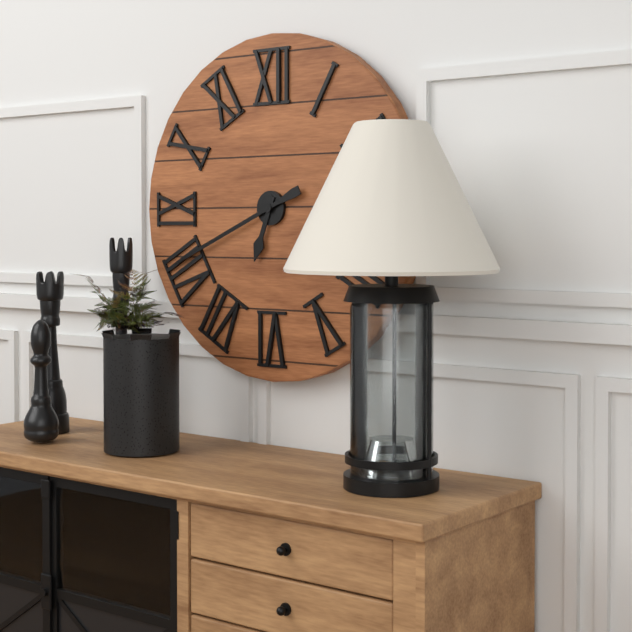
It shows 6,41
